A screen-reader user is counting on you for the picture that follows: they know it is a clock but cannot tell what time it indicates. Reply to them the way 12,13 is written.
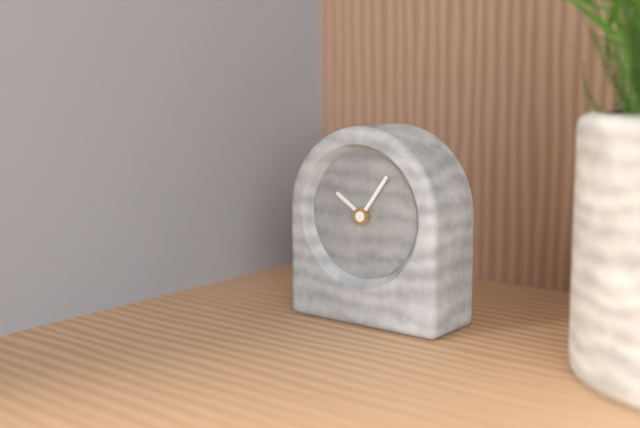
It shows 10,06
